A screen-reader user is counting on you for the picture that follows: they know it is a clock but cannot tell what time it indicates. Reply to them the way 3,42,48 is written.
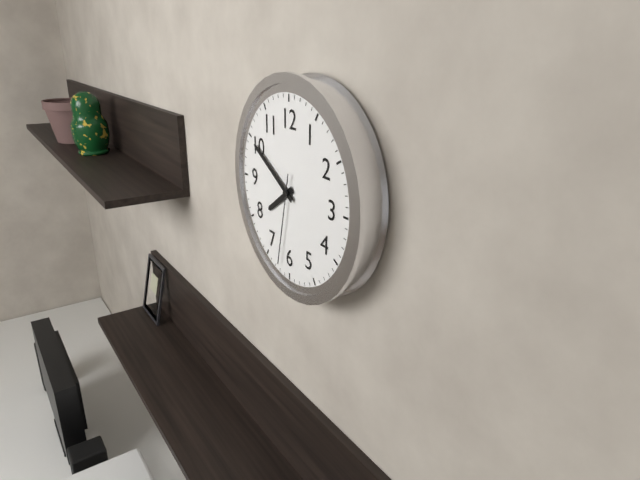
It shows 7,50,32
